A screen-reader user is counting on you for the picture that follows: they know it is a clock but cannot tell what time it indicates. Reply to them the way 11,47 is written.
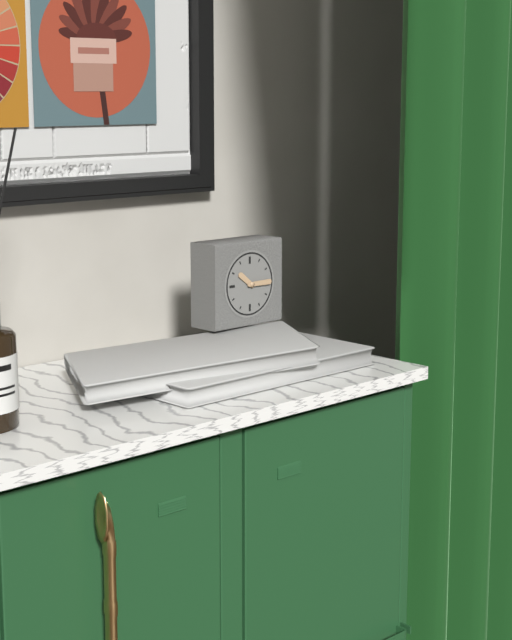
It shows 10,15
